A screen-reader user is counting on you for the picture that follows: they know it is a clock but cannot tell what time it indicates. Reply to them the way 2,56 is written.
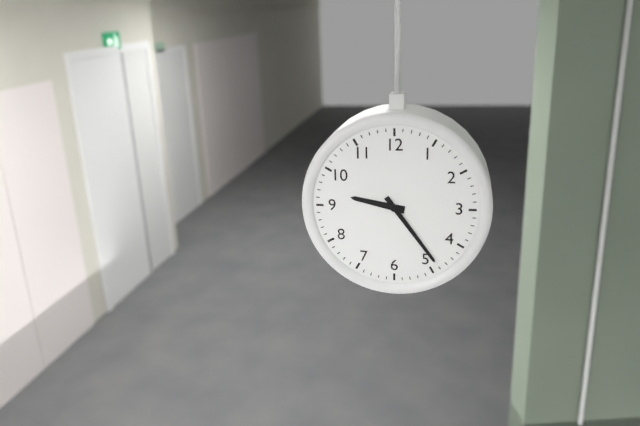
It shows 9,24
